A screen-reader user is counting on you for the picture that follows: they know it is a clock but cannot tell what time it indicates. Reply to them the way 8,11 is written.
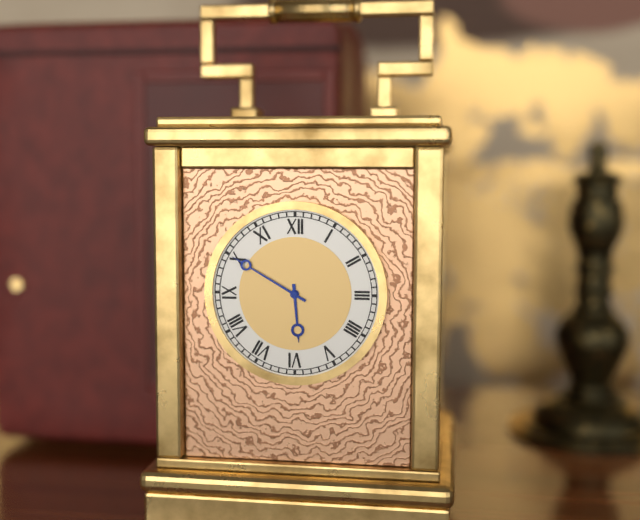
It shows 5,50
